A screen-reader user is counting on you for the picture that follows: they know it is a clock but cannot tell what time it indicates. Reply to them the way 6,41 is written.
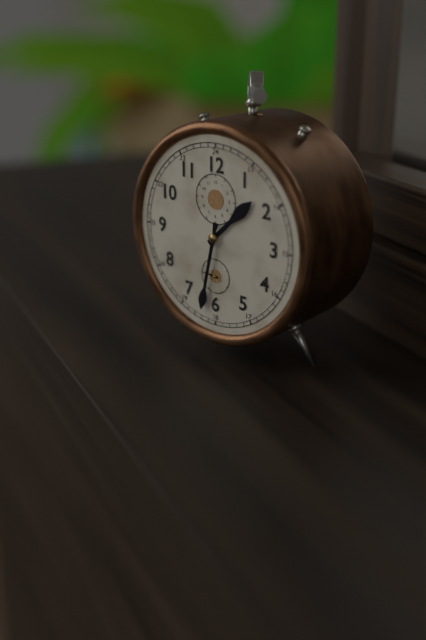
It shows 1,32
